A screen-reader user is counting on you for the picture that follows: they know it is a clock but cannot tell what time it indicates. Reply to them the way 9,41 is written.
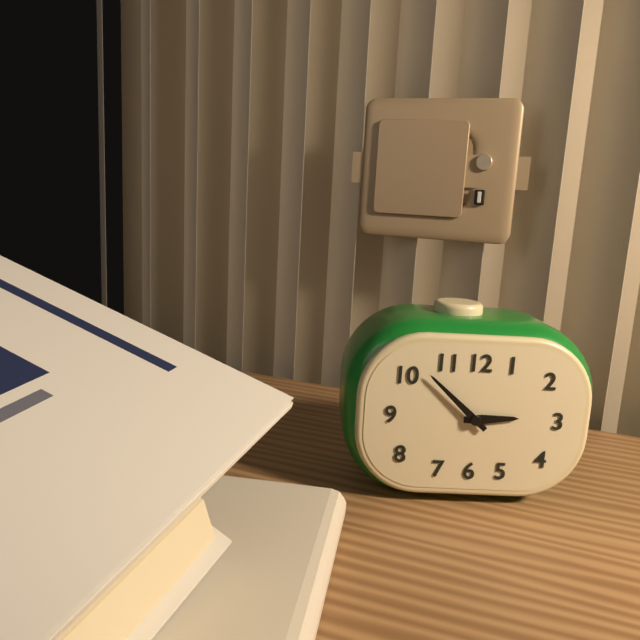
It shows 2,52
